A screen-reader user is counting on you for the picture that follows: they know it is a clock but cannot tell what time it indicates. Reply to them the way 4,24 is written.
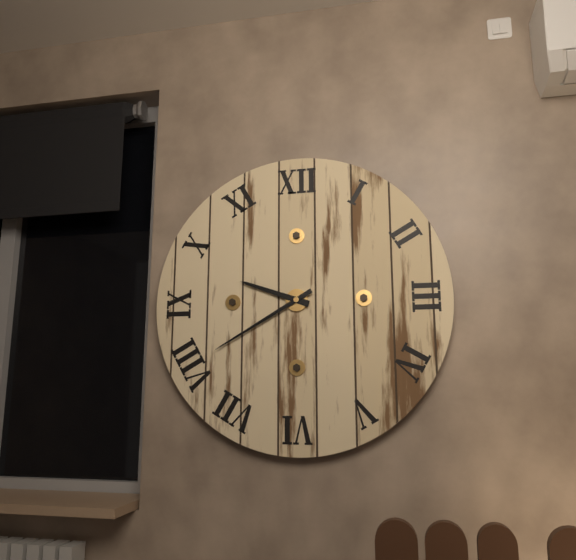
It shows 9,40
